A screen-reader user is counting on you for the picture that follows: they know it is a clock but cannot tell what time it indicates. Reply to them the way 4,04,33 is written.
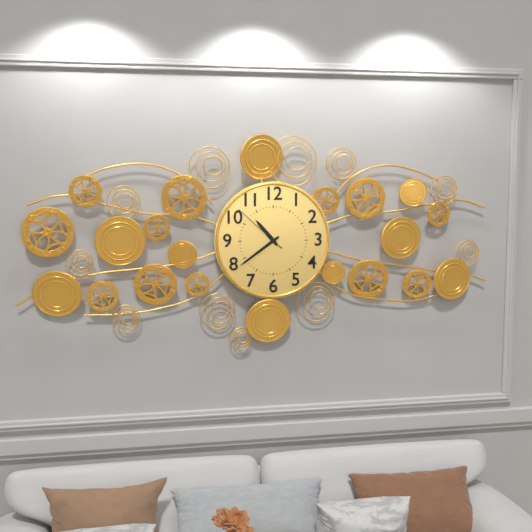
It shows 10,39,52
